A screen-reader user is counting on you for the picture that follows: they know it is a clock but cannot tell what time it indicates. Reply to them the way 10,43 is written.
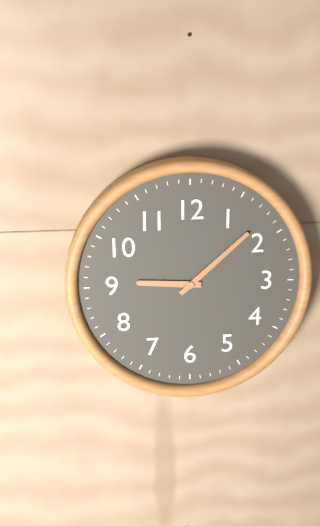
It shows 9,08
